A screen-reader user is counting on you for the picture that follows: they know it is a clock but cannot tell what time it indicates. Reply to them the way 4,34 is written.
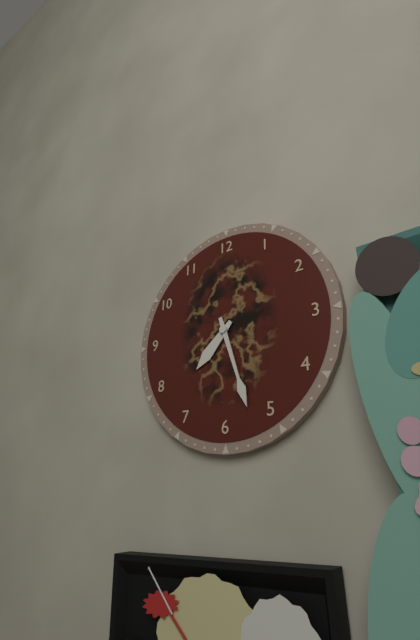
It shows 7,27
